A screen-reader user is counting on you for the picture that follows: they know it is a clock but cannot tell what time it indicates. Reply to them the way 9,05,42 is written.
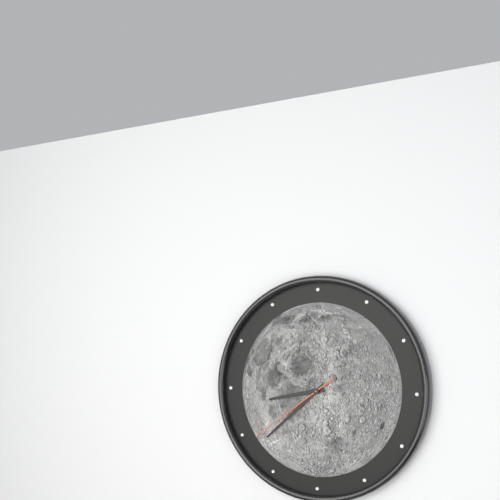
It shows 8,38,39
